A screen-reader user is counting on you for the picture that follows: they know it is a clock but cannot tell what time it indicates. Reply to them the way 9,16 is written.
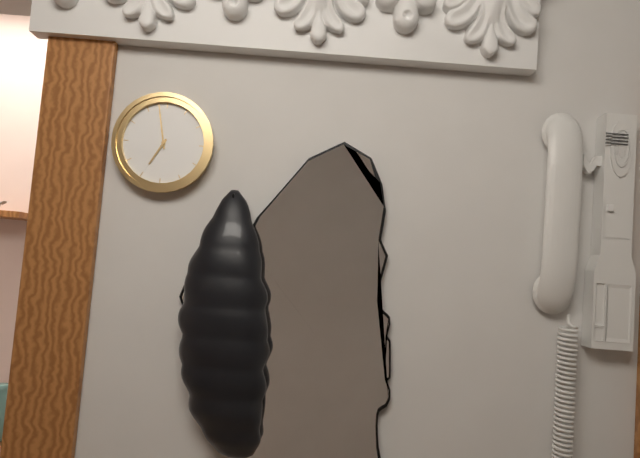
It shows 6,58
